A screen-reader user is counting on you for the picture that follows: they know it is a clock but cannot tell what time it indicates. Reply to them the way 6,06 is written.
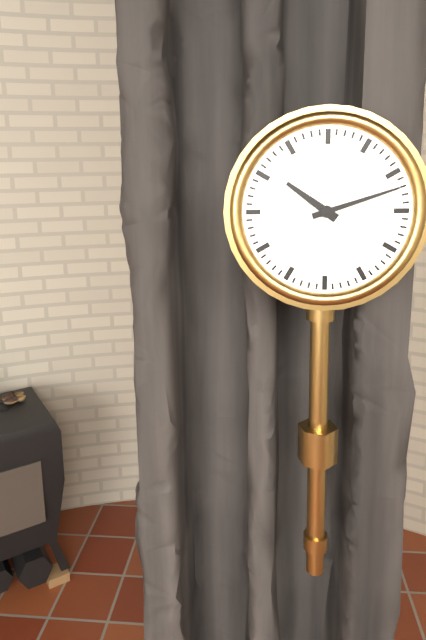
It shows 10,12
